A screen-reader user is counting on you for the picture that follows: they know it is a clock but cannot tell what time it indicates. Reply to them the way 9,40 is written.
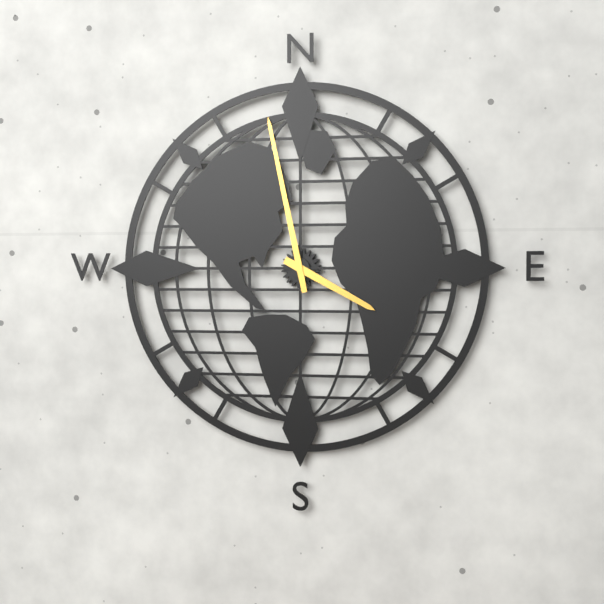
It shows 3,58
